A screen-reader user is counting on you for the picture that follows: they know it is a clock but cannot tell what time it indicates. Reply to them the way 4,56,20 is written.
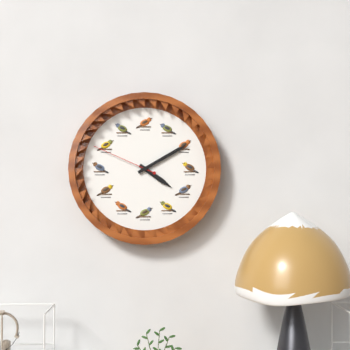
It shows 4,10,49
